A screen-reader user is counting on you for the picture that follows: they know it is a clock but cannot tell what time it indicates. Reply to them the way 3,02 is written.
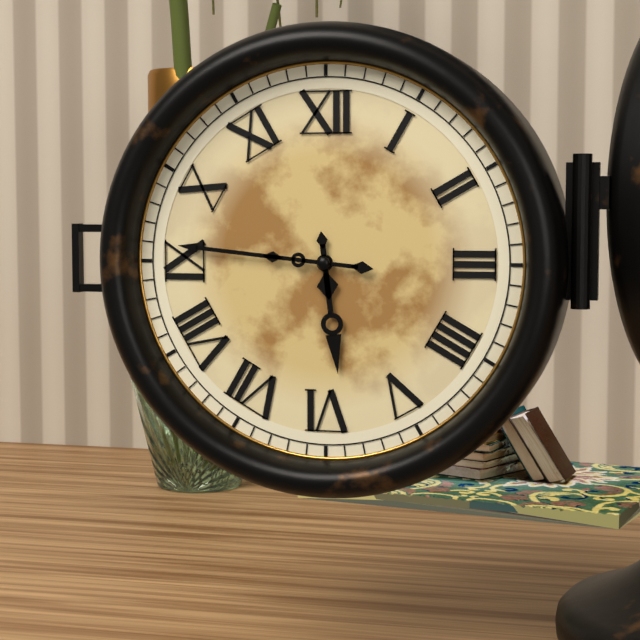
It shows 5,46
